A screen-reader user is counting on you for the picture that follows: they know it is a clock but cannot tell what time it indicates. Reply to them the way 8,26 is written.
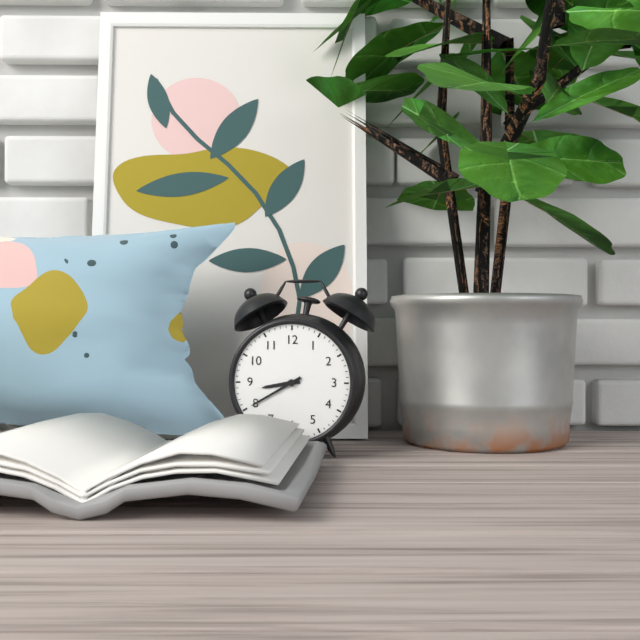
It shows 8,40
